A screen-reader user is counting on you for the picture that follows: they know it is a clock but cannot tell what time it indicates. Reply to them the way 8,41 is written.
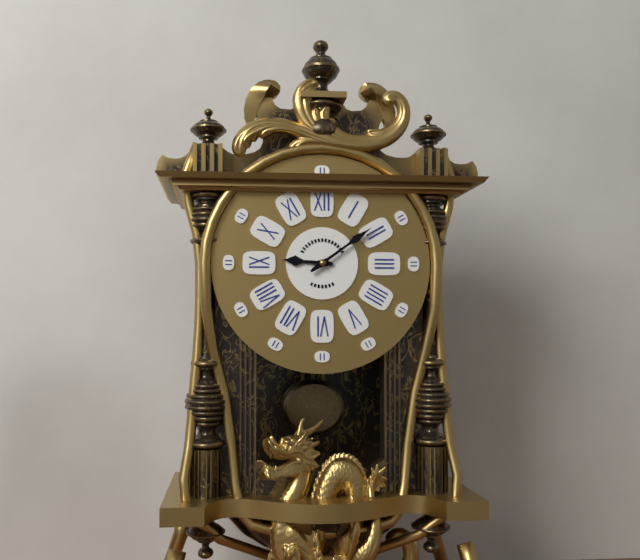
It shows 9,09
